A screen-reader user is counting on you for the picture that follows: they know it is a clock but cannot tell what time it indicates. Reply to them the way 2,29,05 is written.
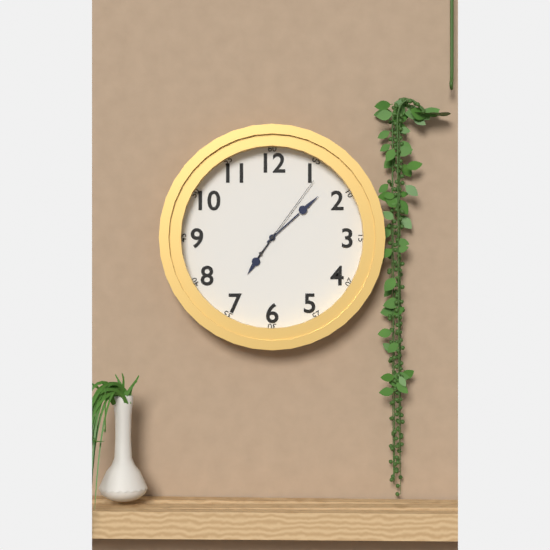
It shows 7,08,06
